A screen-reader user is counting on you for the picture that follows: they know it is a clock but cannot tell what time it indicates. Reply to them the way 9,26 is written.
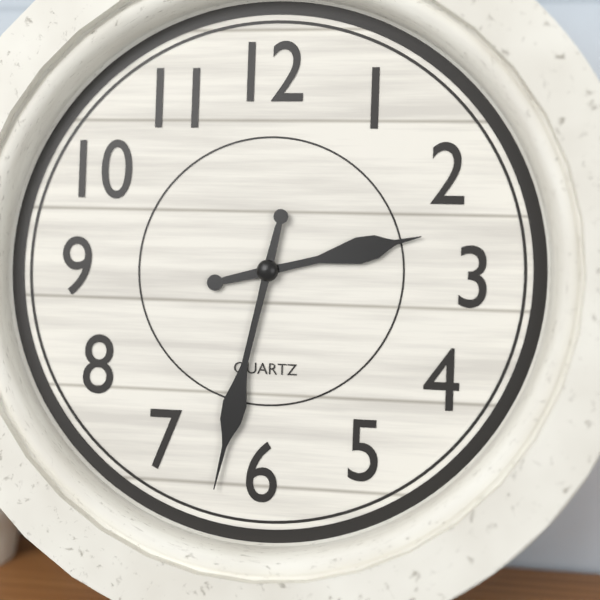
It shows 2,32
